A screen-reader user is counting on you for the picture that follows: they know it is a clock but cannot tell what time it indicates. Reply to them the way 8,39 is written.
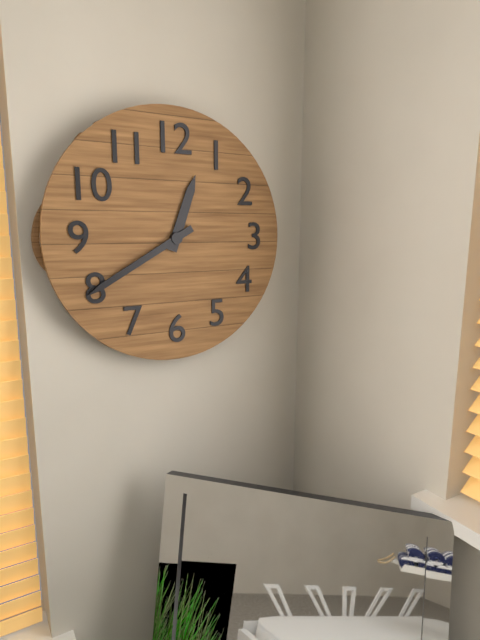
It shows 12,40
